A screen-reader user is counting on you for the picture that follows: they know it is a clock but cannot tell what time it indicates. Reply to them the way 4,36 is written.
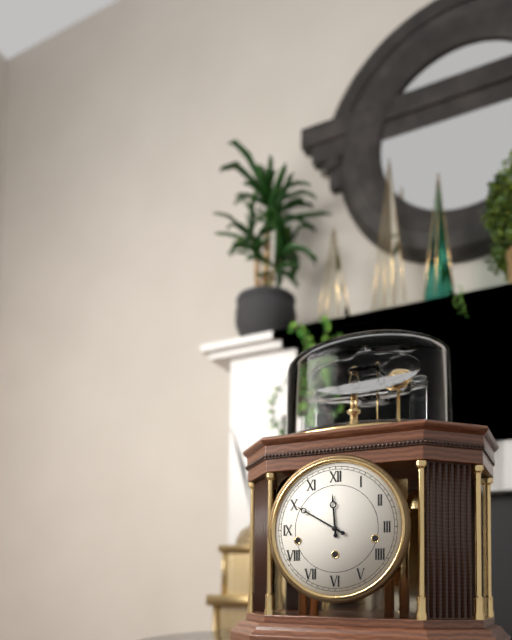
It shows 11,50
